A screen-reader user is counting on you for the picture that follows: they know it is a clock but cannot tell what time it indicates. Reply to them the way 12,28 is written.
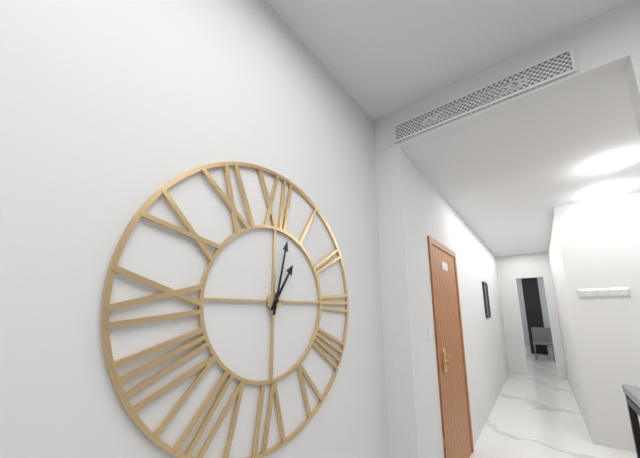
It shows 1,02
